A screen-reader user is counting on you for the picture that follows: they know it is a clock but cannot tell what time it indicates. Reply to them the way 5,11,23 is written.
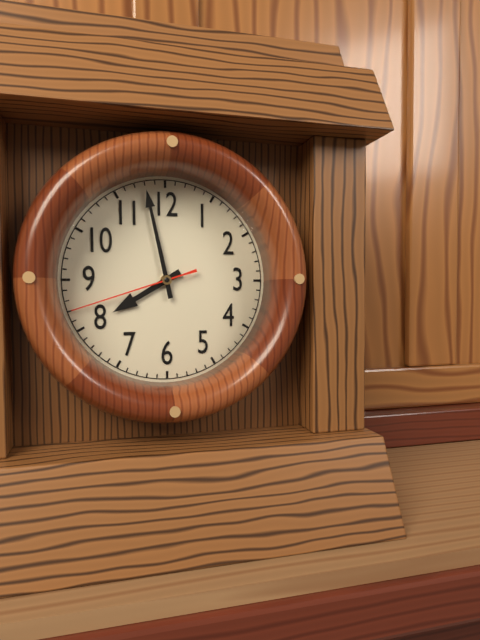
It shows 7,58,42
